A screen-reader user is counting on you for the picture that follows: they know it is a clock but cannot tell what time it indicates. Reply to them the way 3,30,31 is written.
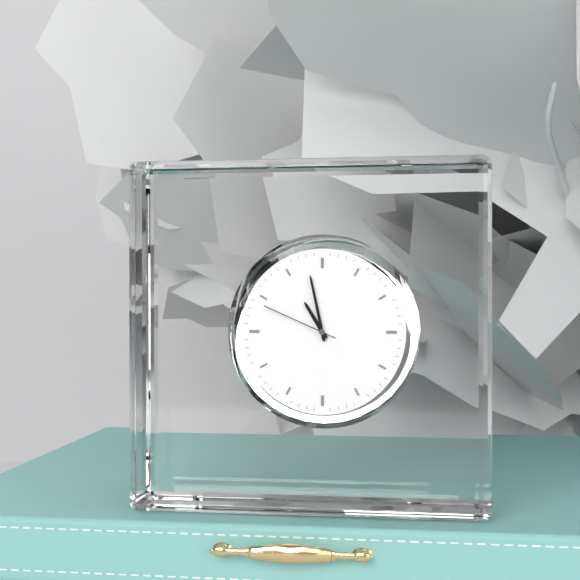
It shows 10,58,49
